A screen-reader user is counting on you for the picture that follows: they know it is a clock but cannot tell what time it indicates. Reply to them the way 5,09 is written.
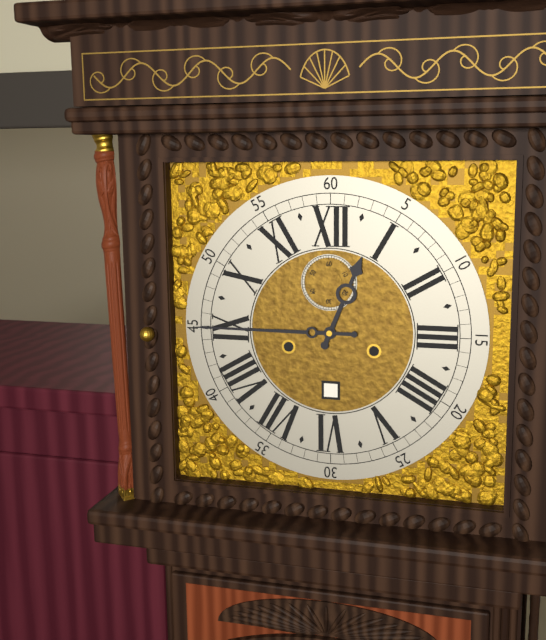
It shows 12,45
